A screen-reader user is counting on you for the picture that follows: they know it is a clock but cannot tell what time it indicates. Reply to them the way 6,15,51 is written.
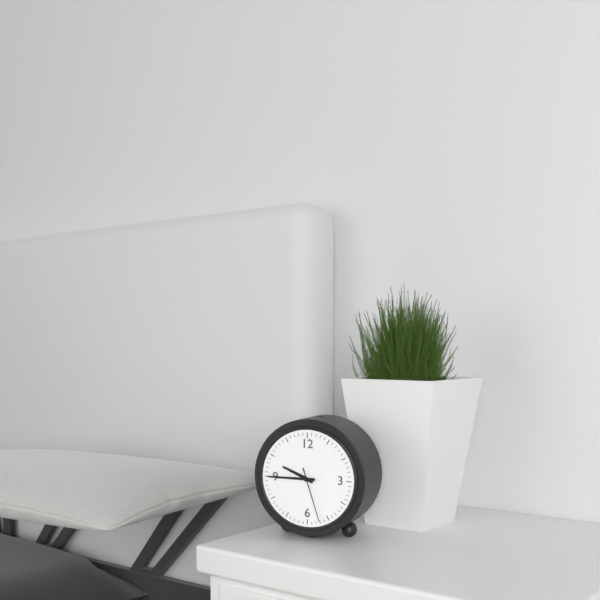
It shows 9,45,27
